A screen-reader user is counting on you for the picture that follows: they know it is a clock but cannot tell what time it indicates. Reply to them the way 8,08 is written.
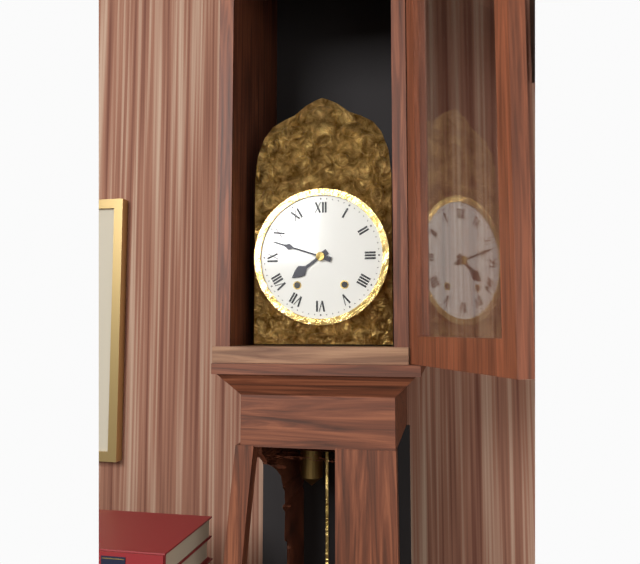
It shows 7,48
